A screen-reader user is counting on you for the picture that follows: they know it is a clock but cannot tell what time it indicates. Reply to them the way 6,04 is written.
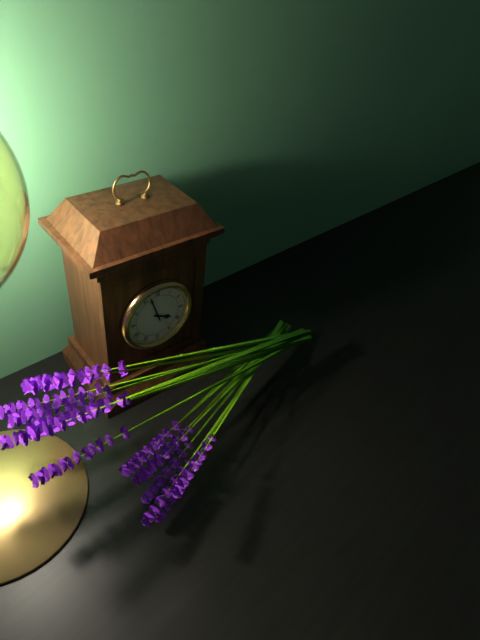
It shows 3,57
